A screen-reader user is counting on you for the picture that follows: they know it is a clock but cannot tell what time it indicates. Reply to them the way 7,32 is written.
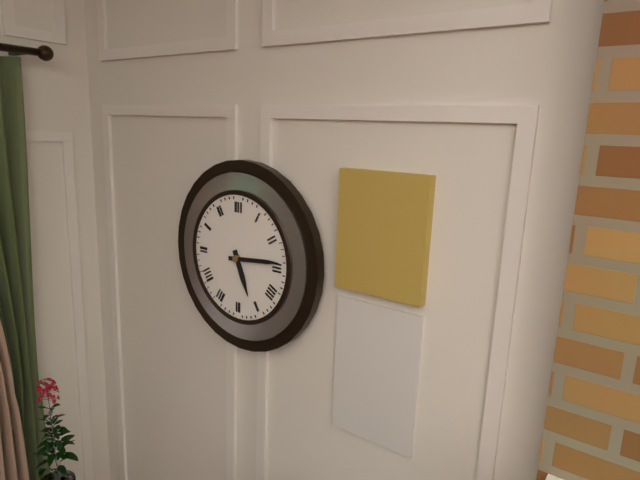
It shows 5,14
